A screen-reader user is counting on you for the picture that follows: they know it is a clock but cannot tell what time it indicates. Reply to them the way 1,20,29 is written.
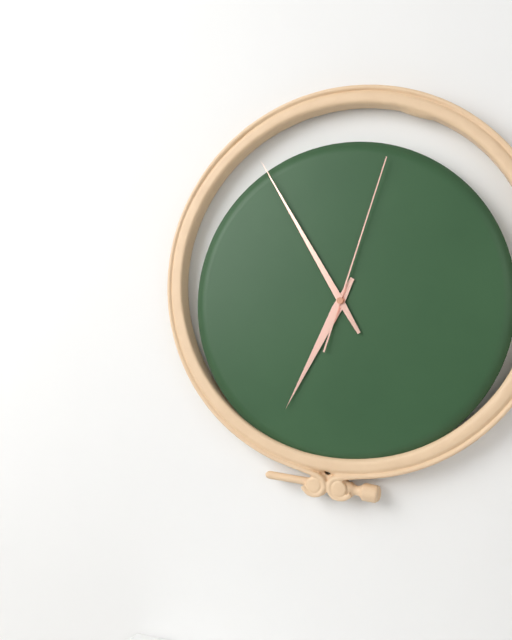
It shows 6,55,03
